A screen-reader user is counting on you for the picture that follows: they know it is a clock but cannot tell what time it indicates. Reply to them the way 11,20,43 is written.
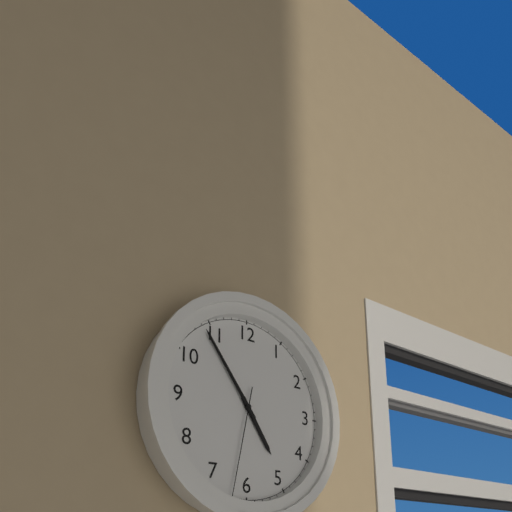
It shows 4,54,32
